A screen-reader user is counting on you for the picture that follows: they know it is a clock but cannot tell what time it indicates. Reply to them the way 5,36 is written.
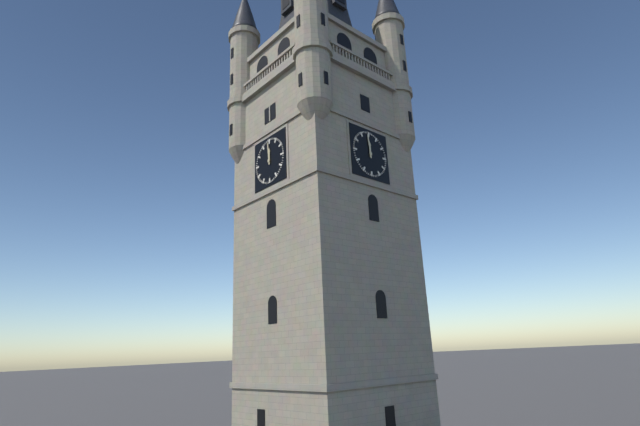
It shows 11,59
